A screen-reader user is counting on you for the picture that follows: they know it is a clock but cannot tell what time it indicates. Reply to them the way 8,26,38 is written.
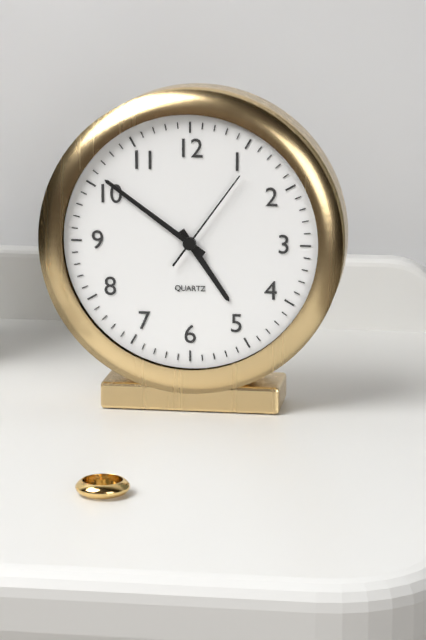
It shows 4,51,06
